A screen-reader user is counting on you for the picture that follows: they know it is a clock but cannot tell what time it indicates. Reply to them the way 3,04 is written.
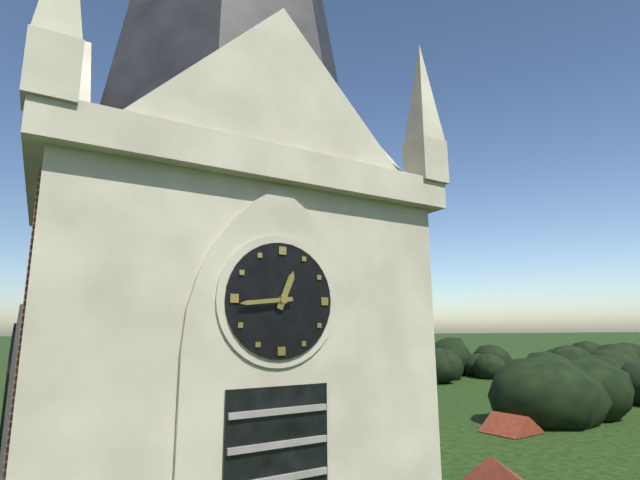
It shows 12,44
